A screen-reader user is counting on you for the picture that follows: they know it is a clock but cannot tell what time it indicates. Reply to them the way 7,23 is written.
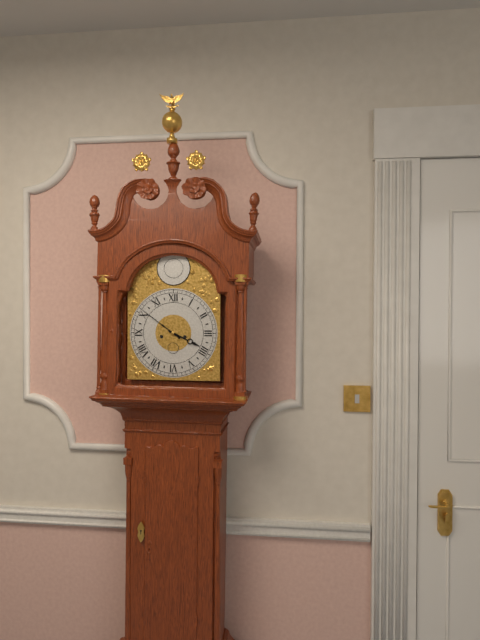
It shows 3,51
